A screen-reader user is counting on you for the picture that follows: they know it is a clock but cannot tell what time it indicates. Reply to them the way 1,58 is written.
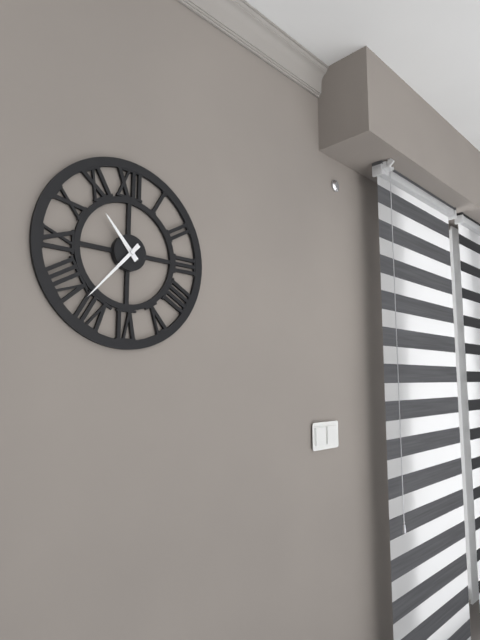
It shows 10,37
